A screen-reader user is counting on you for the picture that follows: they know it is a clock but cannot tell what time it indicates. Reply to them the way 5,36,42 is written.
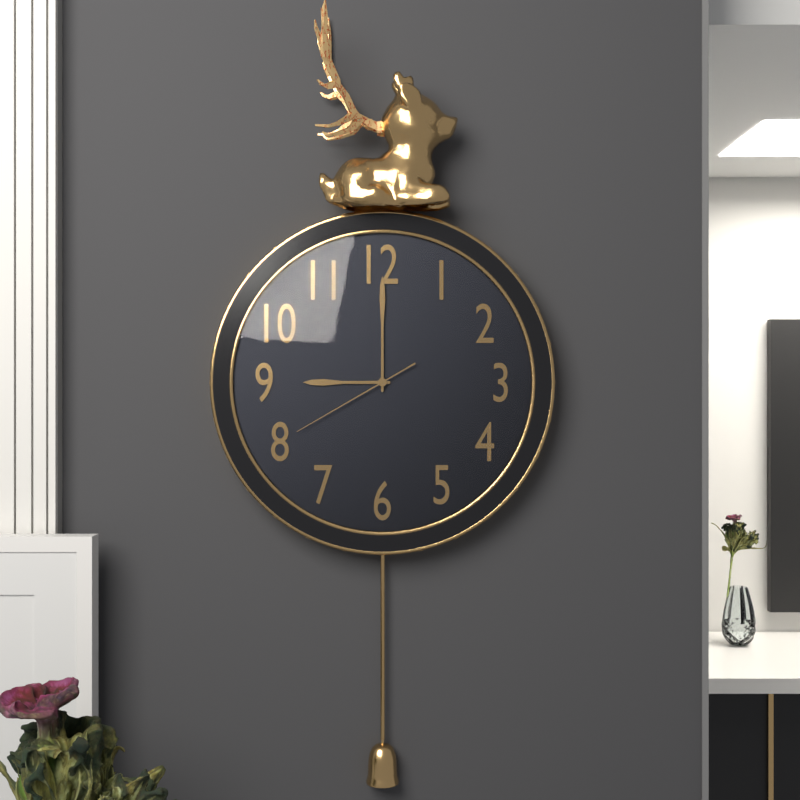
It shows 9,00,40
